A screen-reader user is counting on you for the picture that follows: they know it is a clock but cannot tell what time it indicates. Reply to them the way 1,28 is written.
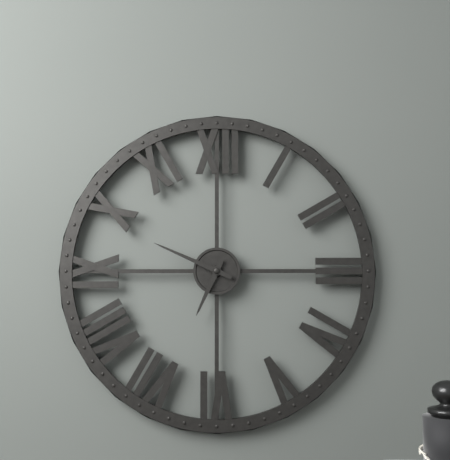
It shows 6,49
